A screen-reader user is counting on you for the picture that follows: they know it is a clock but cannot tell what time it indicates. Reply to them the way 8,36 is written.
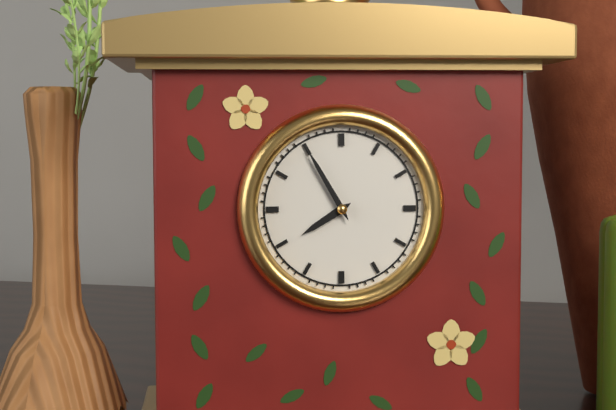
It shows 7,55
